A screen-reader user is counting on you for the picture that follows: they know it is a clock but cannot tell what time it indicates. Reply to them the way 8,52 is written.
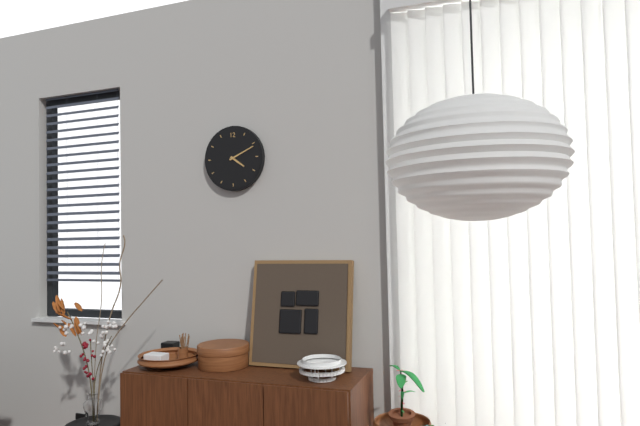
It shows 4,11
